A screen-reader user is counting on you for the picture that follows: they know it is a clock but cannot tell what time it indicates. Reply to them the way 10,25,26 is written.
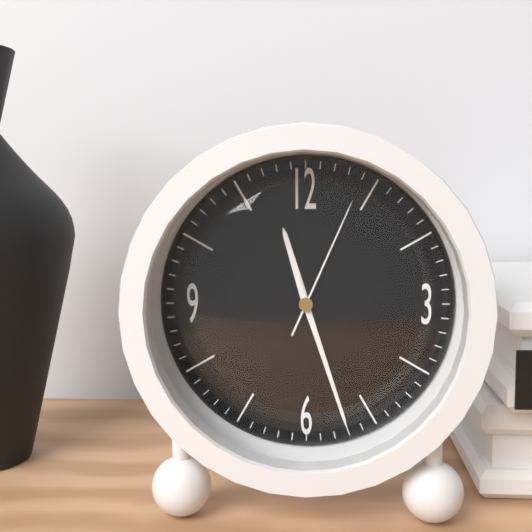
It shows 11,27,04
